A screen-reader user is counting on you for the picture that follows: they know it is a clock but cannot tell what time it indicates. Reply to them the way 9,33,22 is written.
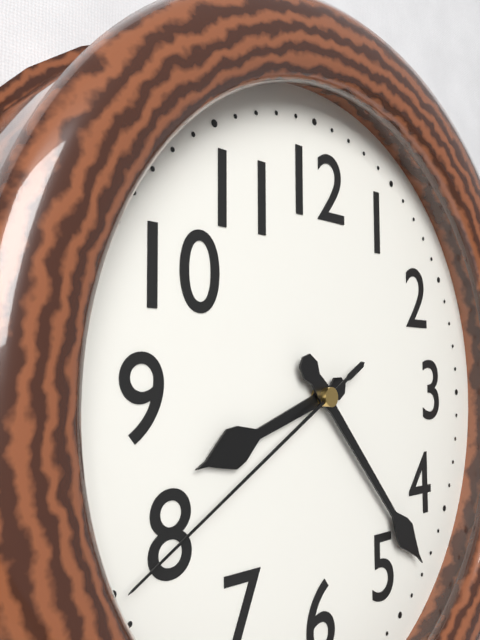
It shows 8,23,40
